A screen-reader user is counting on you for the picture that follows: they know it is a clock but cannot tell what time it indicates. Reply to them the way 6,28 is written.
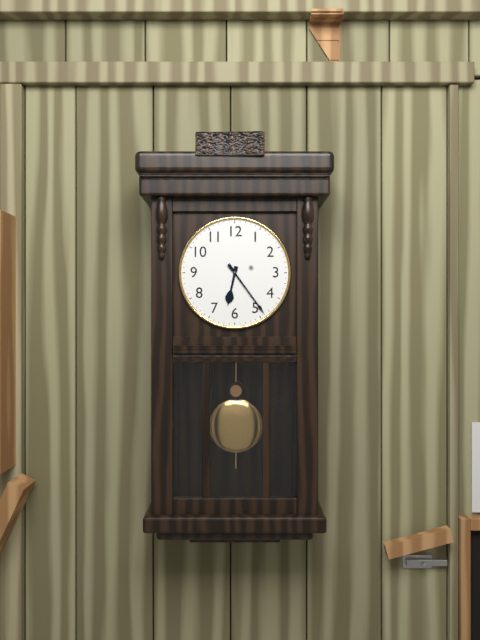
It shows 6,24
